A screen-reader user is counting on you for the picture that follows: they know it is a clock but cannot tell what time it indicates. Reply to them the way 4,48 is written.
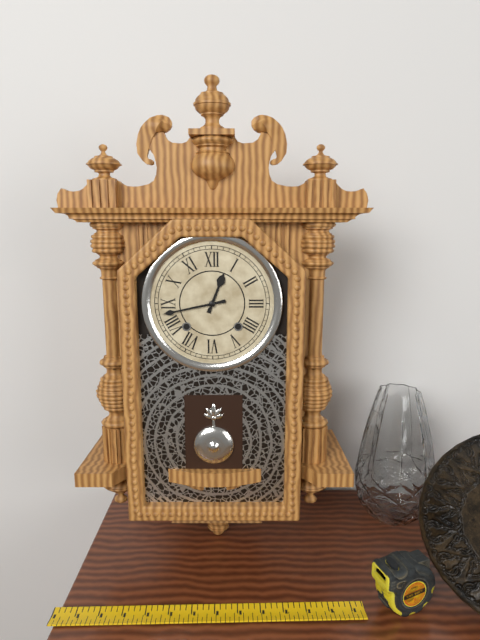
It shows 12,43
